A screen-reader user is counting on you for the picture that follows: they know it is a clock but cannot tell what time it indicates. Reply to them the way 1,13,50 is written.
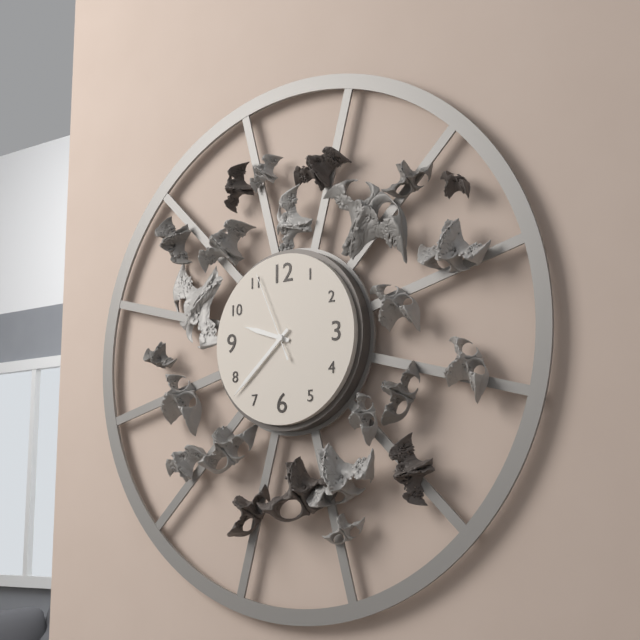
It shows 9,38,56
